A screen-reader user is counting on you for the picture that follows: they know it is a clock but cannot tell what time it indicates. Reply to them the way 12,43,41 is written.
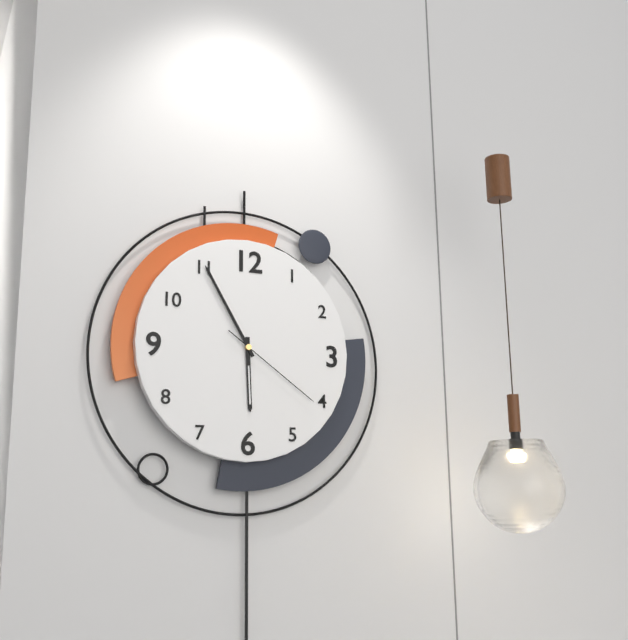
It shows 5,55,21
